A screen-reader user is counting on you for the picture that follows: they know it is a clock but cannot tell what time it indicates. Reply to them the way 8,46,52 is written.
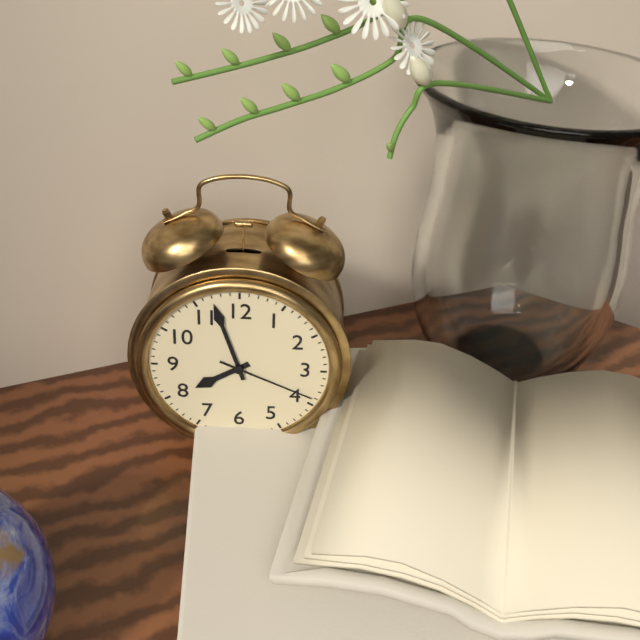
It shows 7,57,19
